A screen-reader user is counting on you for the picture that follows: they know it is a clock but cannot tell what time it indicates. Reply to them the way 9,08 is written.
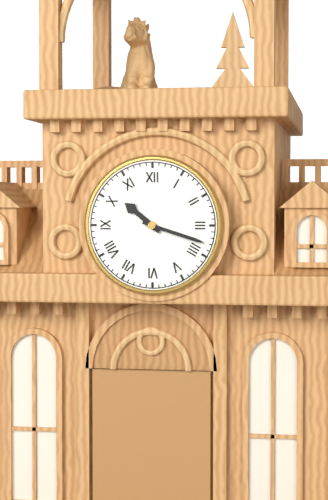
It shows 10,18
